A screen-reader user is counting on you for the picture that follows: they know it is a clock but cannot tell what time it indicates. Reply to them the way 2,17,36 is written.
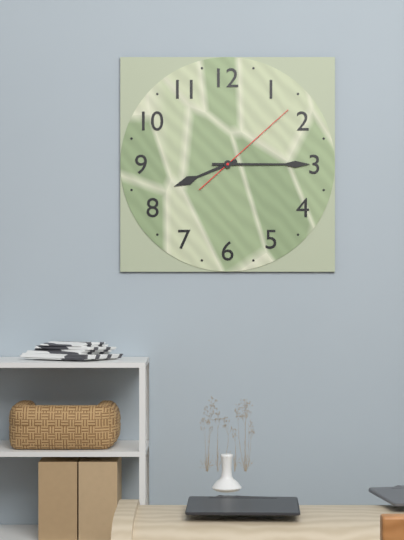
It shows 8,15,08
